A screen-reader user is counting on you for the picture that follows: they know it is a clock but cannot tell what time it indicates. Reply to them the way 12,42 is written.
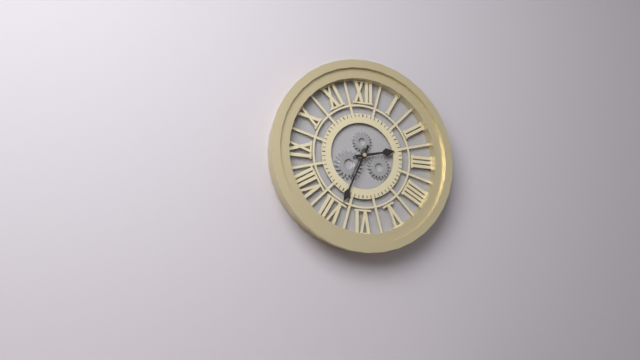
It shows 2,34
